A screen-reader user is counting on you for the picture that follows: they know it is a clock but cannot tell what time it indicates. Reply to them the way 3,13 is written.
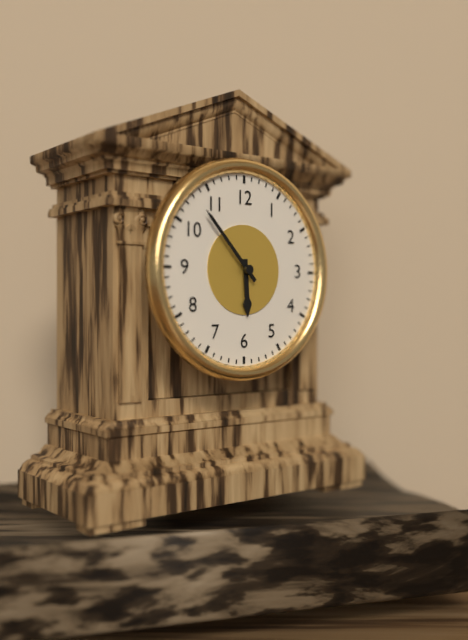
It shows 5,53
